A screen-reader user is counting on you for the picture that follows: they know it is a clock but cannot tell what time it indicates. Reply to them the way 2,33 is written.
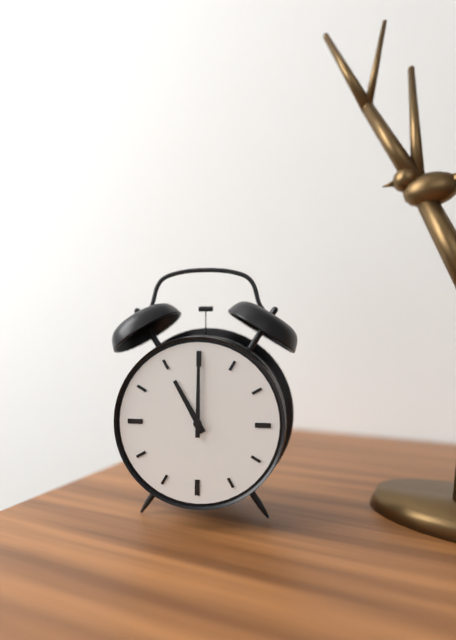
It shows 11,00
